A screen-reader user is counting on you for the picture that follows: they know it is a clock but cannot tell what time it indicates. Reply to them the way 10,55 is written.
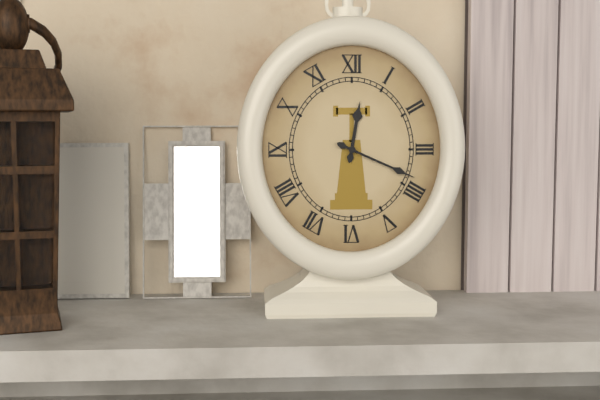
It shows 12,19
